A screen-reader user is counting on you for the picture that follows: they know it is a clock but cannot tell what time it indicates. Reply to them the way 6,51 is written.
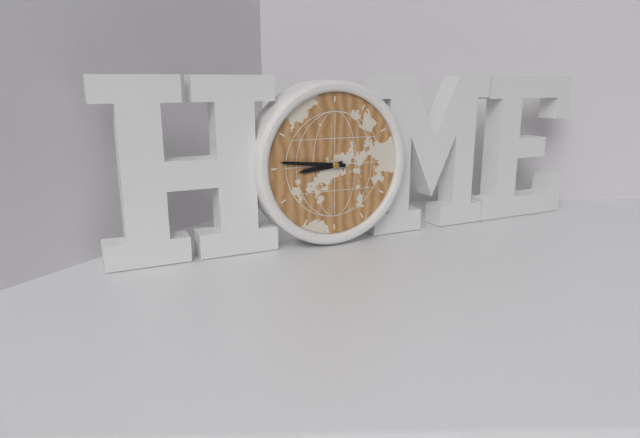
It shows 8,46
